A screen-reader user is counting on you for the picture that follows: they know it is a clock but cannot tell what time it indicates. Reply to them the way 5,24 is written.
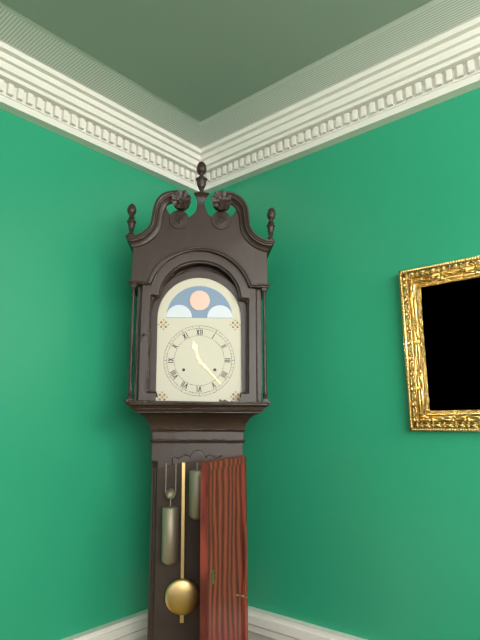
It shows 11,23
